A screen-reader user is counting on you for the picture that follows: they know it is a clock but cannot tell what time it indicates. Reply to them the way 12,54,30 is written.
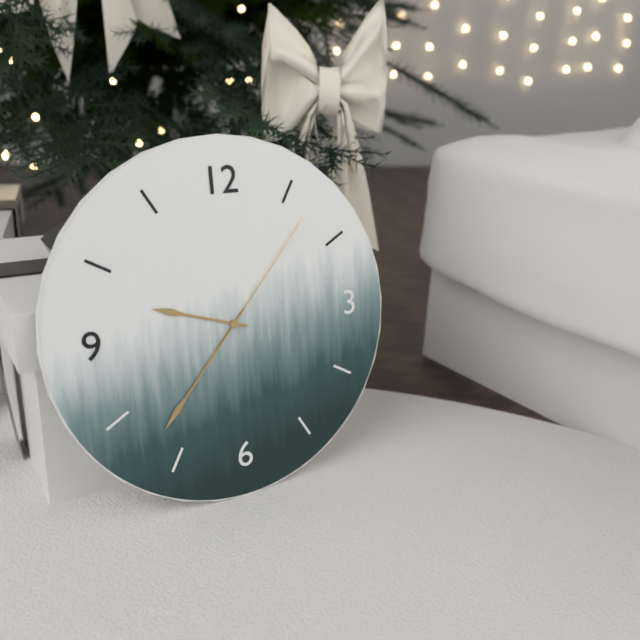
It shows 9,37,07
